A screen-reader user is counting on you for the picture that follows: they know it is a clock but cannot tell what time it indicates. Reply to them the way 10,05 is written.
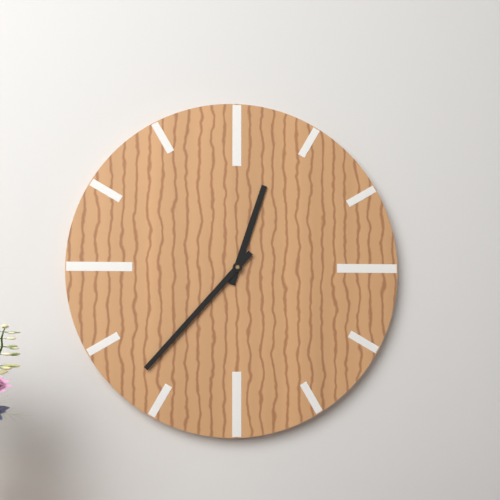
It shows 12,37
